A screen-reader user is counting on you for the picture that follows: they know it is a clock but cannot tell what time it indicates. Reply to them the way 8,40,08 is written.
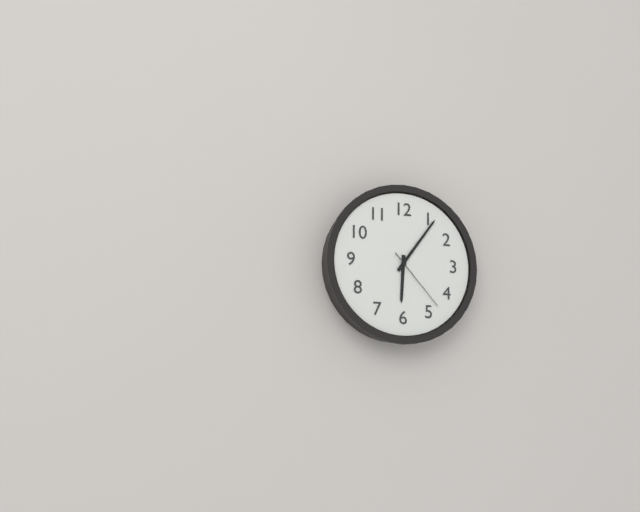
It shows 6,06,23
